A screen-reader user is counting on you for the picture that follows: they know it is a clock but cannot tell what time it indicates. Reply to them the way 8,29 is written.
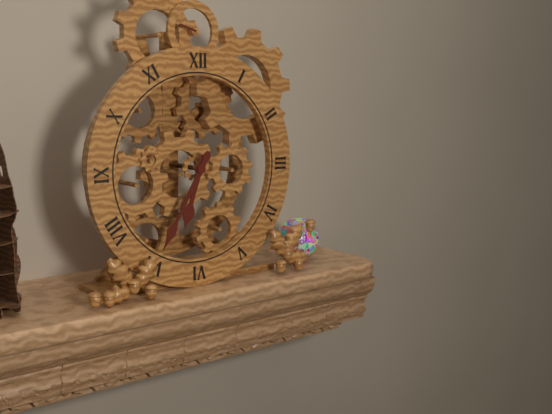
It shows 6,35
